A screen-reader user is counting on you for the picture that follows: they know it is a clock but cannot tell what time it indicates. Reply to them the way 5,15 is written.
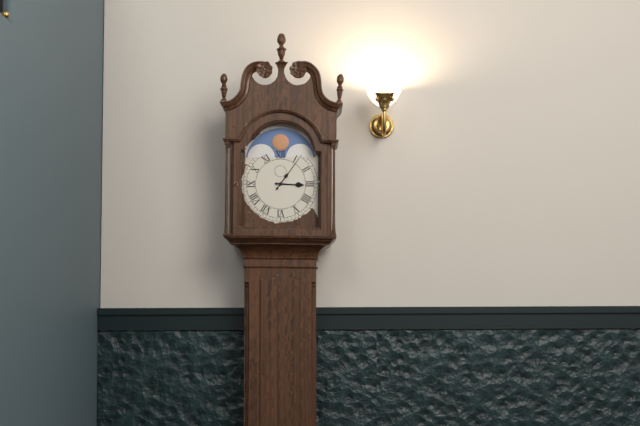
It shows 3,06
